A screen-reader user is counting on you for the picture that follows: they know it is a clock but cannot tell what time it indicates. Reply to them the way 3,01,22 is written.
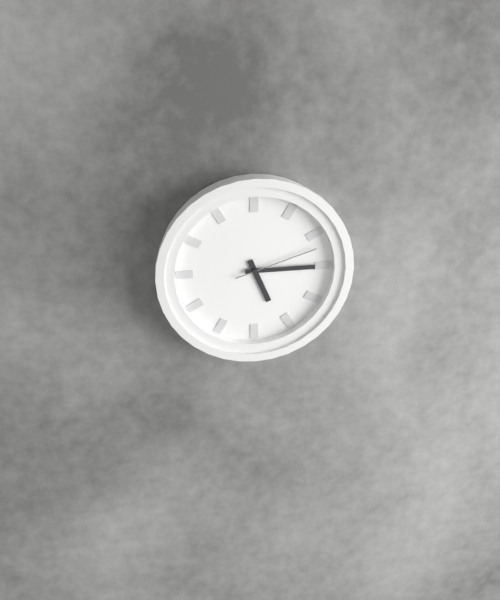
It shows 5,15,12
